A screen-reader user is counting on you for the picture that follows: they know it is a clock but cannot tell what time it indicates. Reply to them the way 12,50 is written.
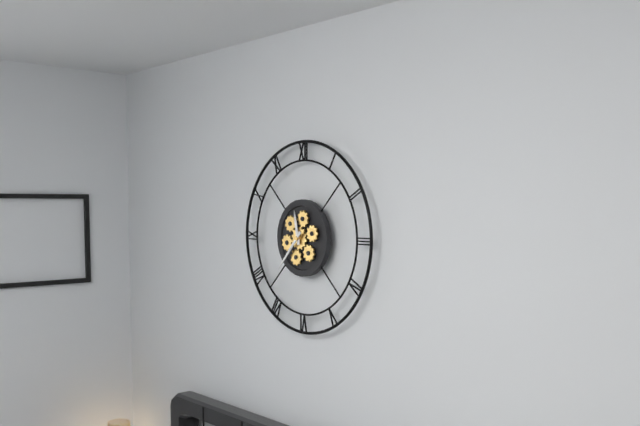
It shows 11,37
